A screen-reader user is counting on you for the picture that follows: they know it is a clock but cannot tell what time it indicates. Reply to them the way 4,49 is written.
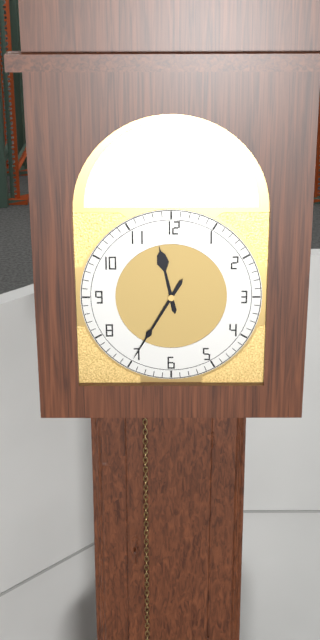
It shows 11,35
